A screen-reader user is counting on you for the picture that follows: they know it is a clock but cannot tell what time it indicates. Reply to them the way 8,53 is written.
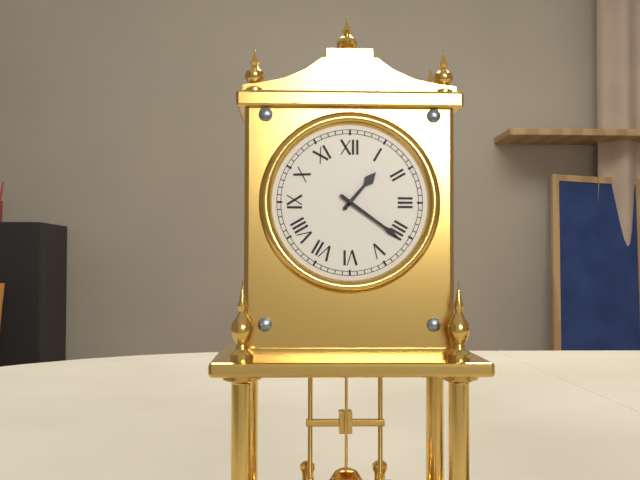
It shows 1,21
